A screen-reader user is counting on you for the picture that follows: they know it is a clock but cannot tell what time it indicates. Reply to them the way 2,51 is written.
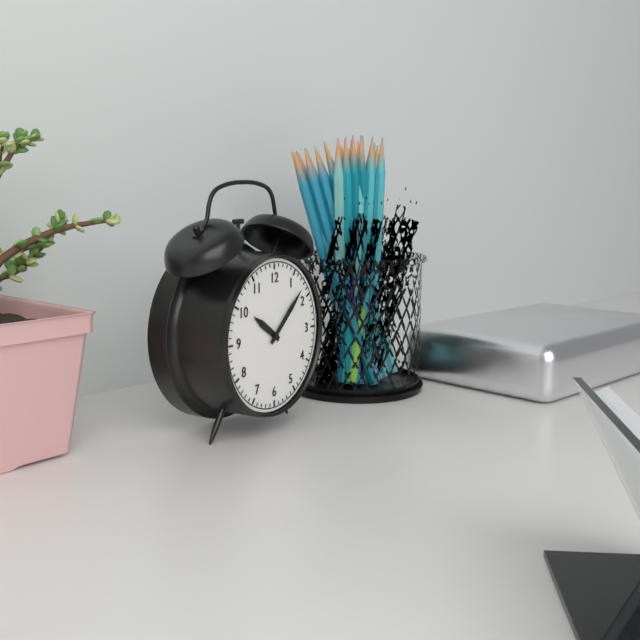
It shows 10,08
